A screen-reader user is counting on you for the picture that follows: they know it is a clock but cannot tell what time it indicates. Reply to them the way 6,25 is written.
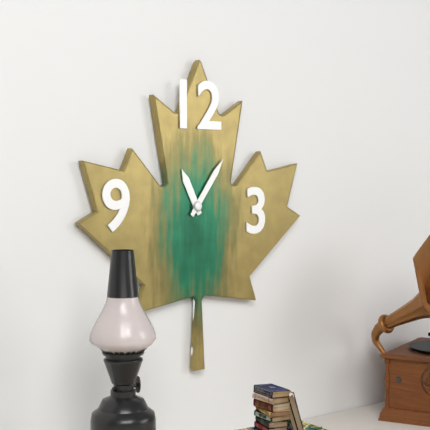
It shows 11,06
